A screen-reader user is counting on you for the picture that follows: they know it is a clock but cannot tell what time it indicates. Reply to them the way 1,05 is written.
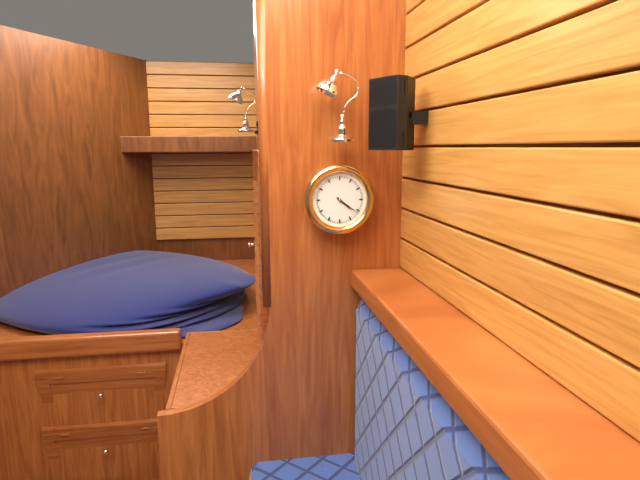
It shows 4,21
